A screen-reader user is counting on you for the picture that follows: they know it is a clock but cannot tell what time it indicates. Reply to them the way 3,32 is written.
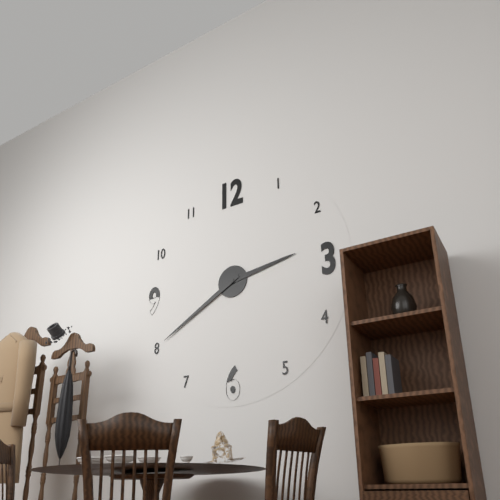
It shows 2,40
